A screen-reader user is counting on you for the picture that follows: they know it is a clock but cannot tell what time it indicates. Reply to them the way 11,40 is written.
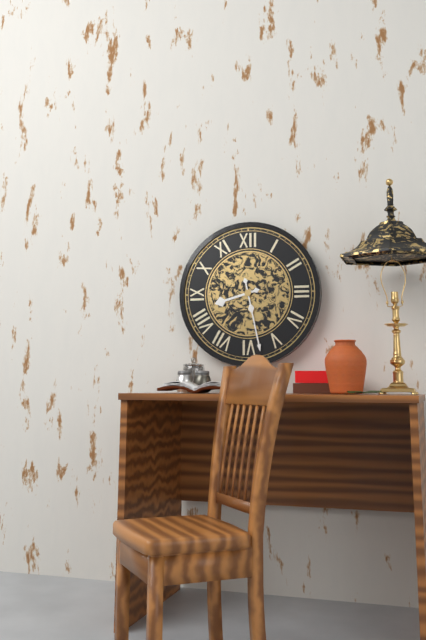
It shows 8,28
